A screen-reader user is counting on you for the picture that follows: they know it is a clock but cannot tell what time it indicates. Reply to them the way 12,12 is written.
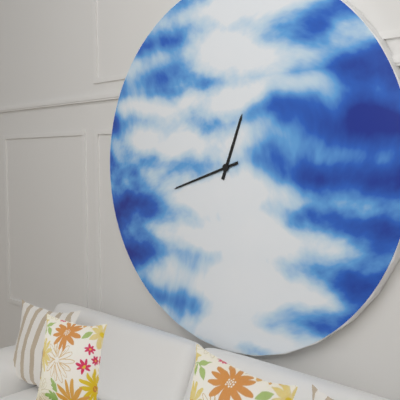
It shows 12,42
